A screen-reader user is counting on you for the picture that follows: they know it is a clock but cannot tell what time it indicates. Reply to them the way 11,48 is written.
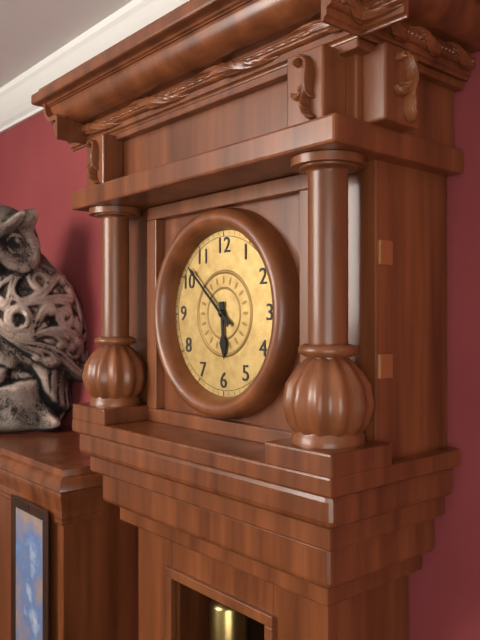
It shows 5,52
